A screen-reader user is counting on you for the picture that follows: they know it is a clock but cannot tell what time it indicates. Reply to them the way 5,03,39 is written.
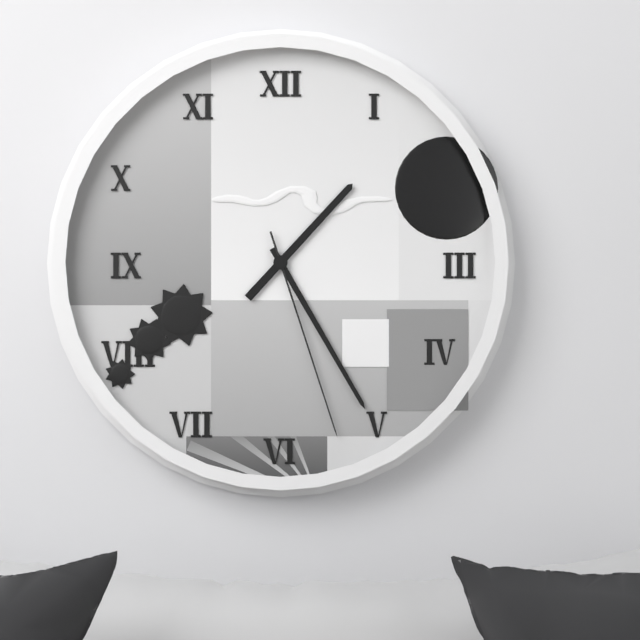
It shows 1,25,27
